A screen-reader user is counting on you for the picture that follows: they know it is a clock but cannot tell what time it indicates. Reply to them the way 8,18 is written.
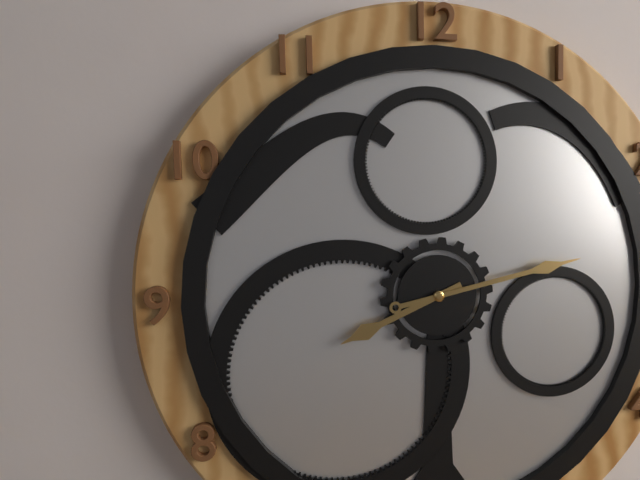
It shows 8,13
